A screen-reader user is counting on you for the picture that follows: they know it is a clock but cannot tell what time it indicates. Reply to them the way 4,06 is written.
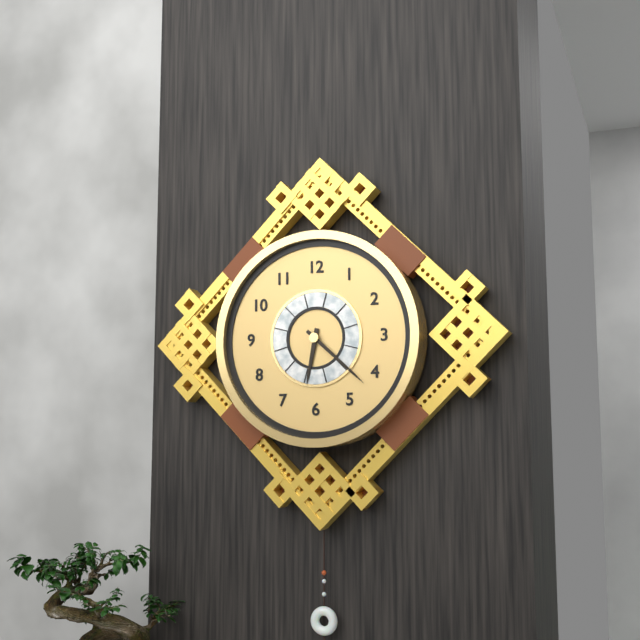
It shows 6,22
